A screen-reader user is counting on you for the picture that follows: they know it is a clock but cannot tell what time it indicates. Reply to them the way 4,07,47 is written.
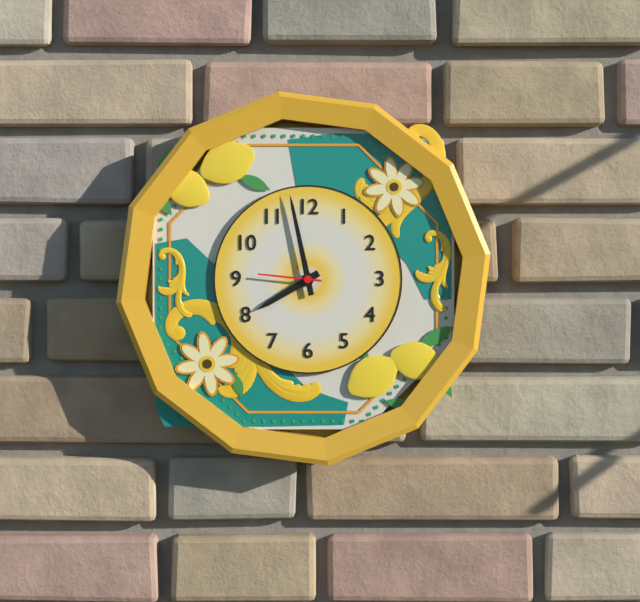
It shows 7,58,46
